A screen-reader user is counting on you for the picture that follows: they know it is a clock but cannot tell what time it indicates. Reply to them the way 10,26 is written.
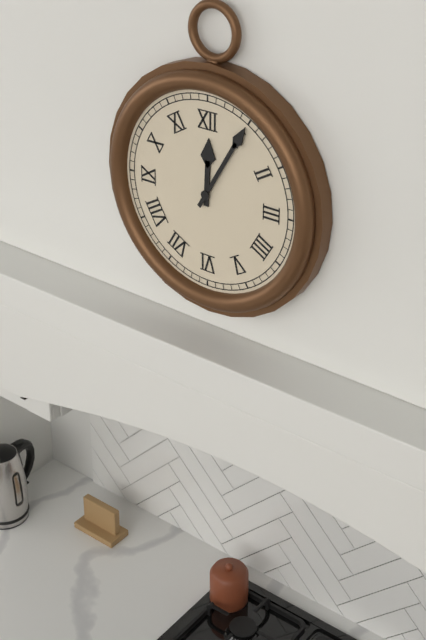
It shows 12,05
